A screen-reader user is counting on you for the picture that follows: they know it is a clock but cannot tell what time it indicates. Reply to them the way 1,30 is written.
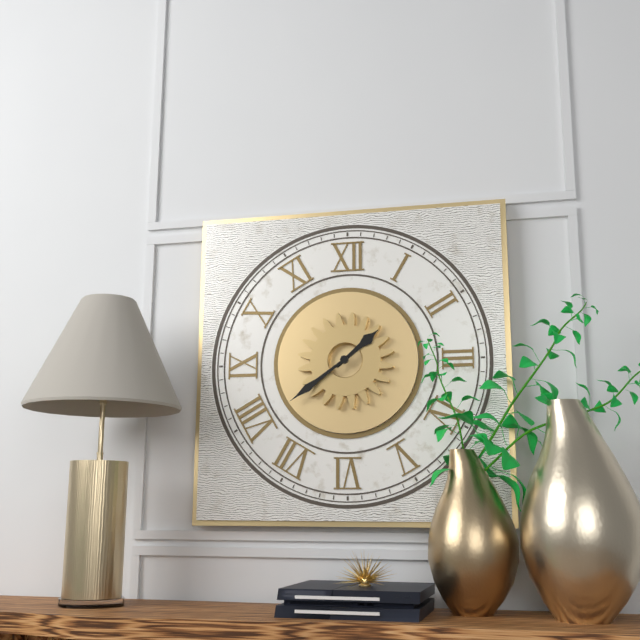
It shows 1,39
